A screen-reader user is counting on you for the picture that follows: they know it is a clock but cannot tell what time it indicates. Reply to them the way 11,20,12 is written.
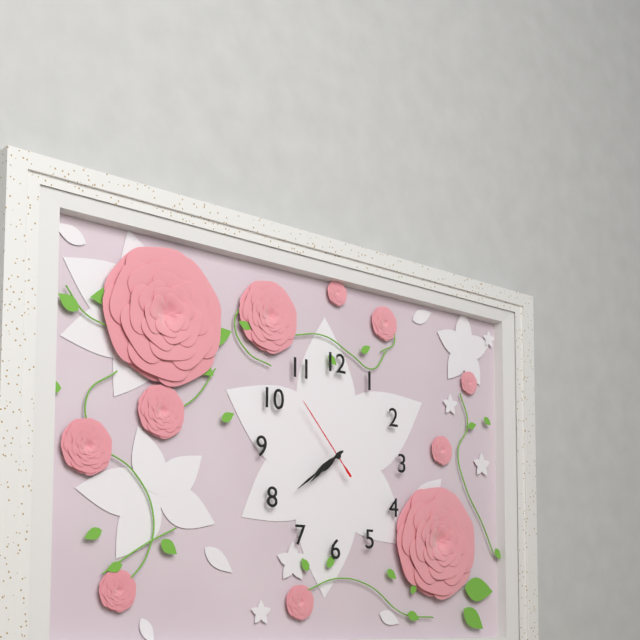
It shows 7,39,53
